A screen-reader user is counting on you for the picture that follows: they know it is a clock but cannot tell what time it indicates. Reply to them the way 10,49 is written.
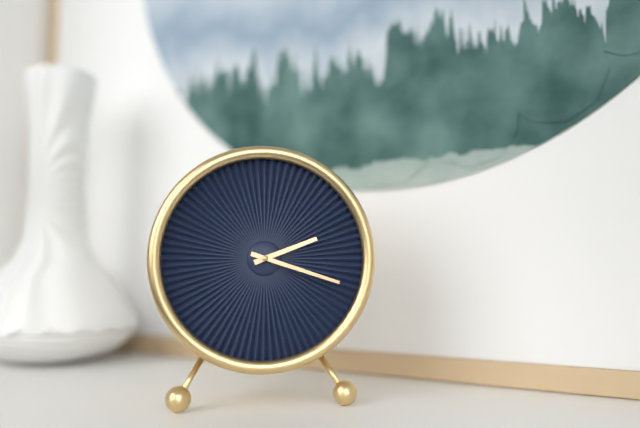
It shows 2,18
